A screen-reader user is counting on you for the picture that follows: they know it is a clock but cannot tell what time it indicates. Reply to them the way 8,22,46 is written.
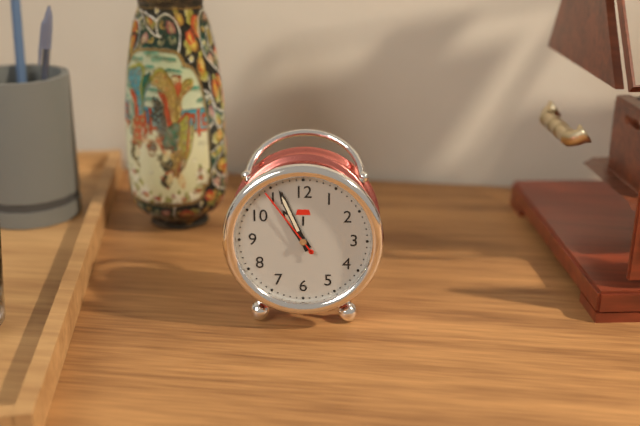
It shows 10,56,54
